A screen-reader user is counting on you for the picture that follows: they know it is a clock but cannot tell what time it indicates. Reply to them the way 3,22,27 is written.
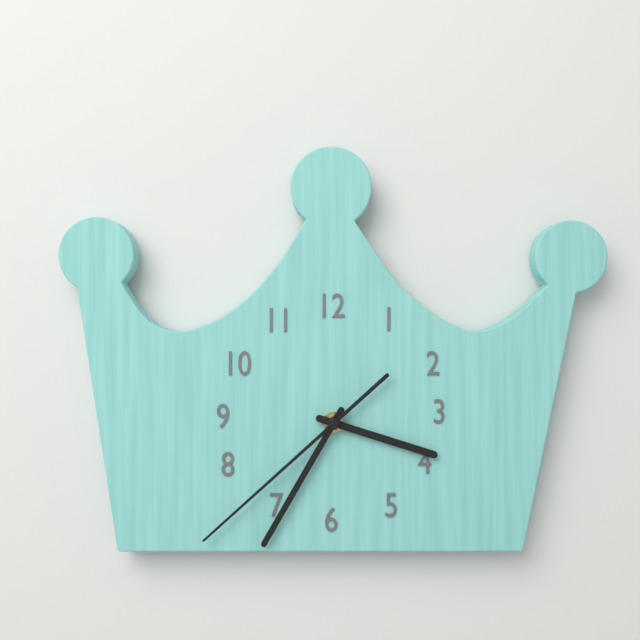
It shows 3,35,38
